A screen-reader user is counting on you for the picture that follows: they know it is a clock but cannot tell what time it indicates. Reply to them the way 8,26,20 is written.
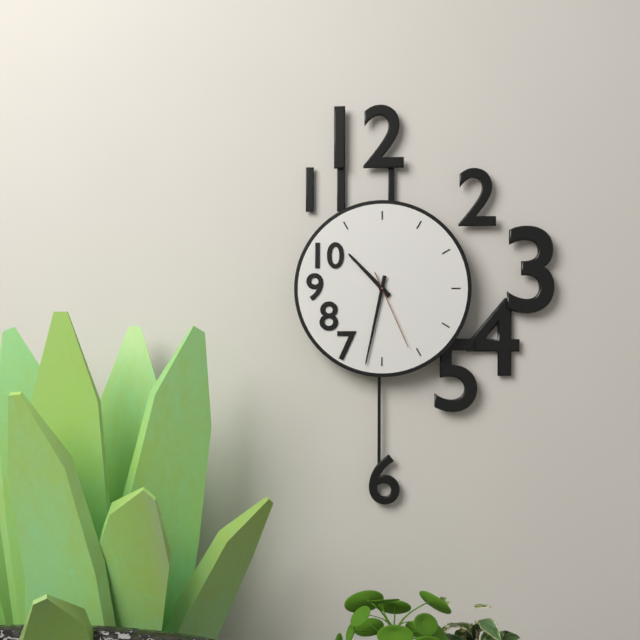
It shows 10,32,26
